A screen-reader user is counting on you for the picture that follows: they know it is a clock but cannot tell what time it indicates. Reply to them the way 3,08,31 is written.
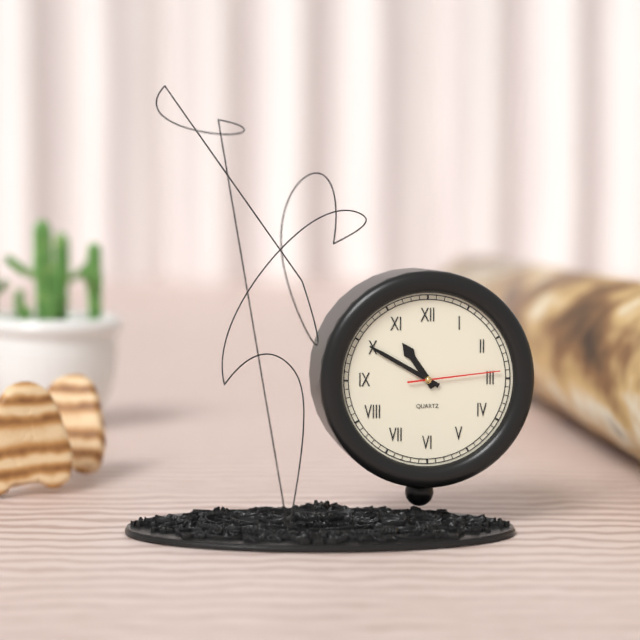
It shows 10,50,14
